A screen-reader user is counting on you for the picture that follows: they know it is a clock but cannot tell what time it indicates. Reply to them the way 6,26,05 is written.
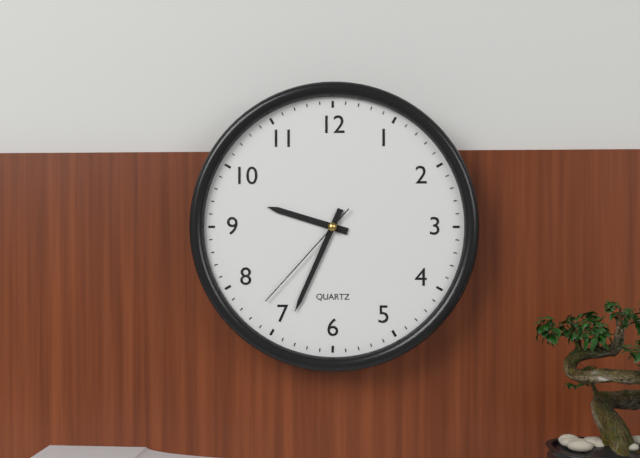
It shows 9,34,37
